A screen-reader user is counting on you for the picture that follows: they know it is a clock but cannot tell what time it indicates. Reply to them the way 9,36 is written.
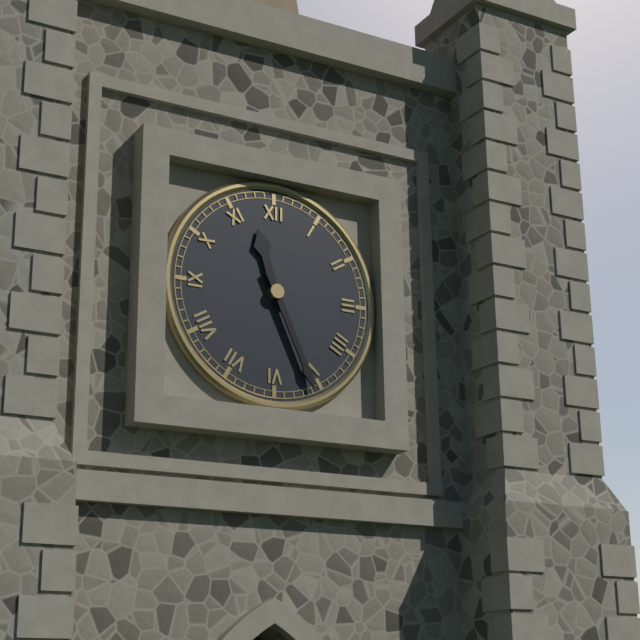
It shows 11,26
